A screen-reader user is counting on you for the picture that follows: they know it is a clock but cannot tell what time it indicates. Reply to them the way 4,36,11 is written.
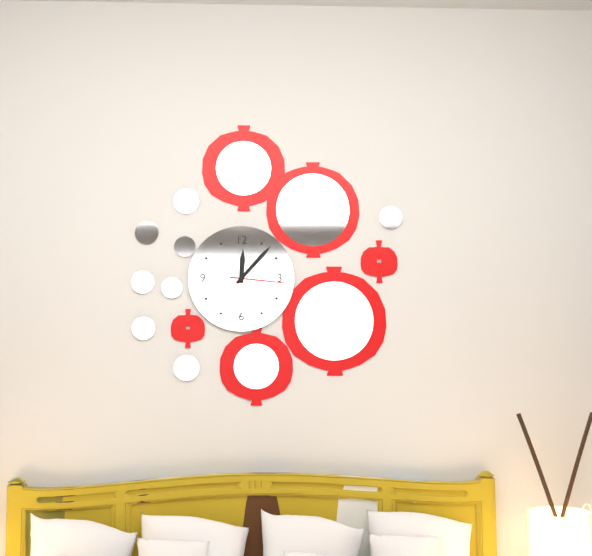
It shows 12,07,16
